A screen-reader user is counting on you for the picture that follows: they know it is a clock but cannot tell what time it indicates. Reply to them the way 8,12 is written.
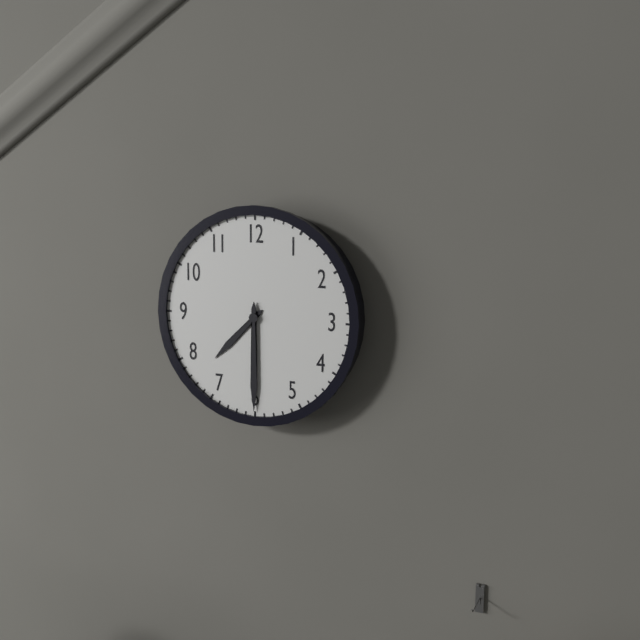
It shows 7,30
